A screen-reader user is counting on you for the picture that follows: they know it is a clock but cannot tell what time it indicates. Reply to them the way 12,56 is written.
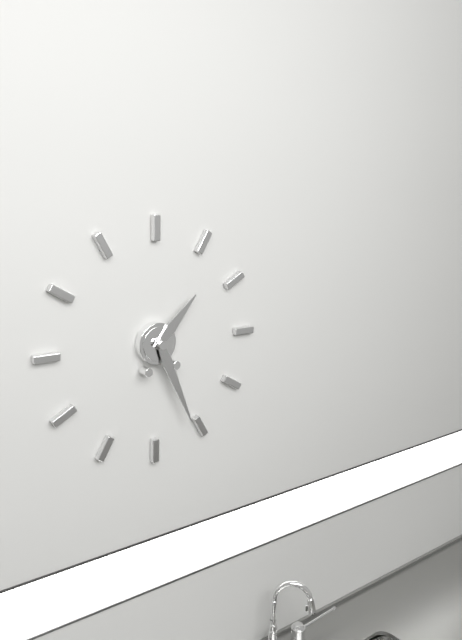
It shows 1,26
